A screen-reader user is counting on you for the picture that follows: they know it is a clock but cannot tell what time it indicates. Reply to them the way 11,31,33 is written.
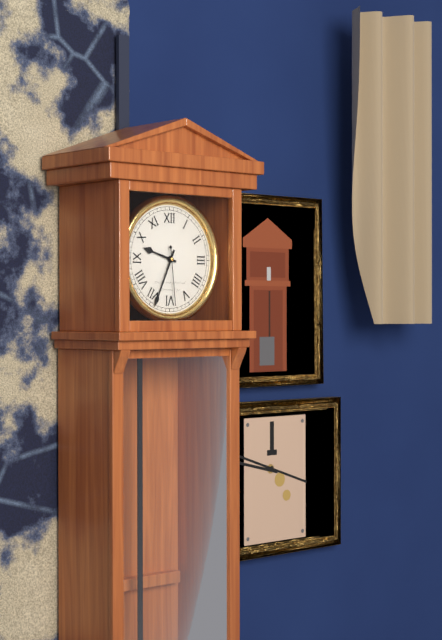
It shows 9,34,29
